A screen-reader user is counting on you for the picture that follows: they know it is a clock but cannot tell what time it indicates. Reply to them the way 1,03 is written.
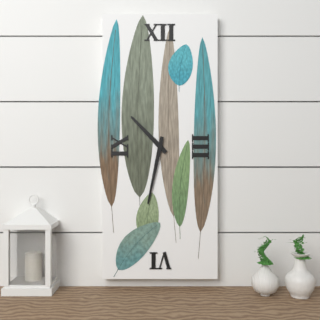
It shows 10,32
